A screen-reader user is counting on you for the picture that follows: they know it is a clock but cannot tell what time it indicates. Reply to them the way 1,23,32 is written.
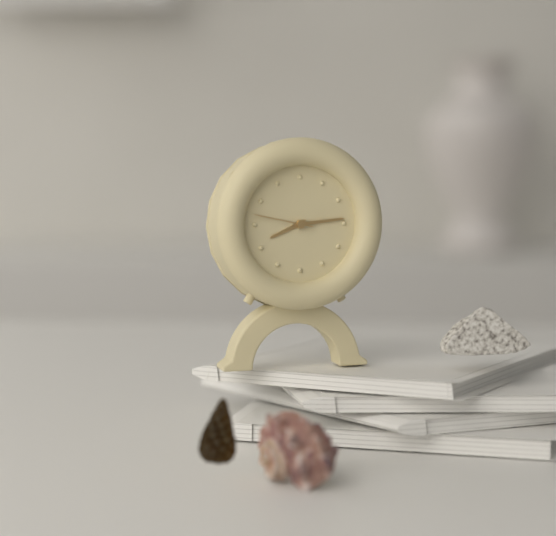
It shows 8,14,47
